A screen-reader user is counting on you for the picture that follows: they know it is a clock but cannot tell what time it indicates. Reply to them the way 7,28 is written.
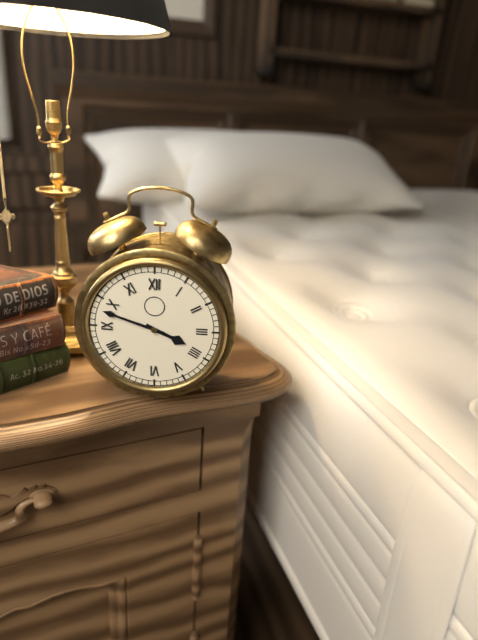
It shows 3,48
